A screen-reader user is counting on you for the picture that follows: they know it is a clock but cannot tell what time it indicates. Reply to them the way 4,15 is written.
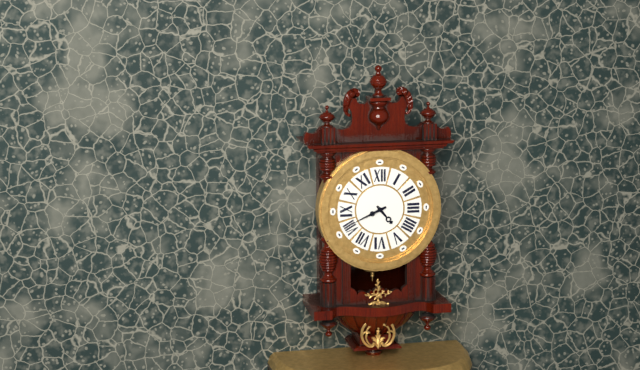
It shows 4,41
